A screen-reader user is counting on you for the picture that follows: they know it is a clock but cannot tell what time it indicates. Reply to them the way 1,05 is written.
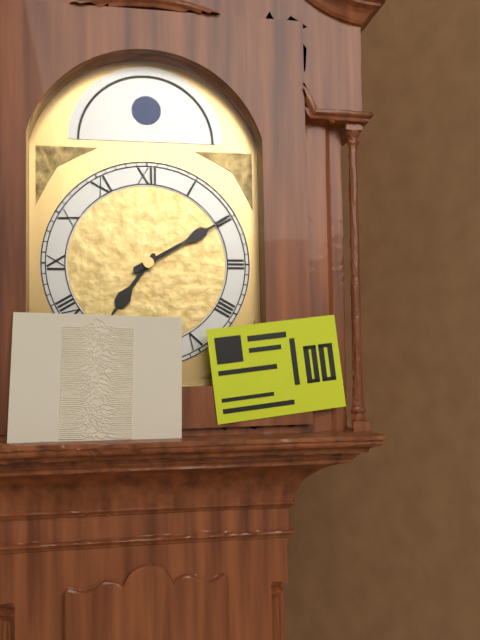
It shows 7,10
